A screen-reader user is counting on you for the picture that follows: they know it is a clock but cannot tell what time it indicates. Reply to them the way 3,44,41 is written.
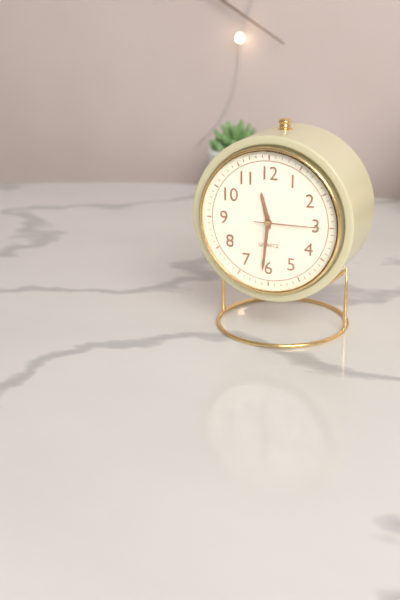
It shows 11,31,15
